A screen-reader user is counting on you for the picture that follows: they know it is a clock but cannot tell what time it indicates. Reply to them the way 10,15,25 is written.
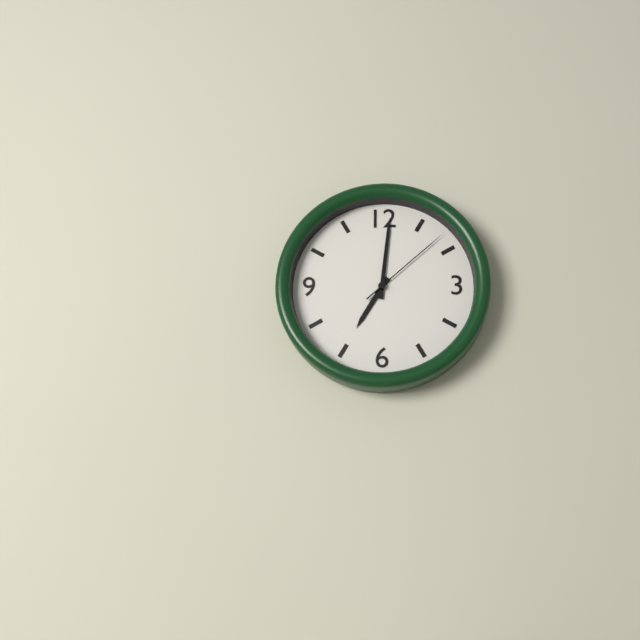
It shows 7,01,08
